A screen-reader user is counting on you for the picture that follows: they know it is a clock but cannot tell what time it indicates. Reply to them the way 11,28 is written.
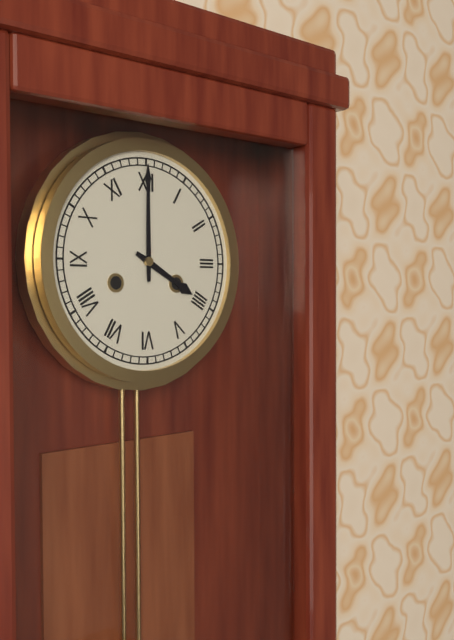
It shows 4,00
